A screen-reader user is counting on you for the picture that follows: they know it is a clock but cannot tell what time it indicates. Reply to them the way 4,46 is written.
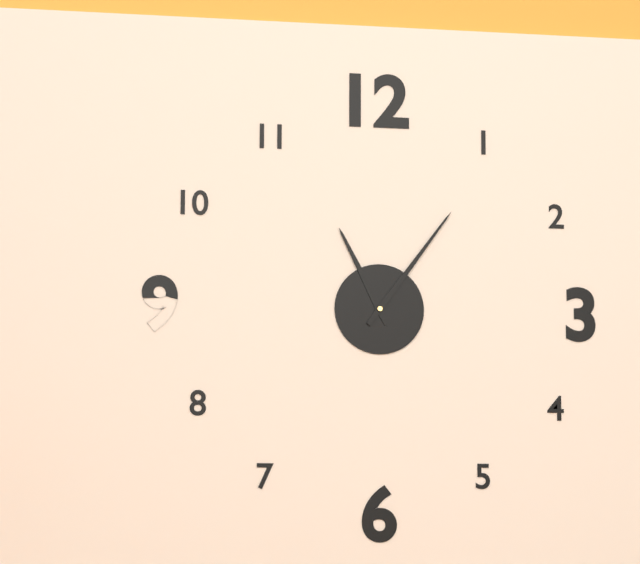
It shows 11,06
